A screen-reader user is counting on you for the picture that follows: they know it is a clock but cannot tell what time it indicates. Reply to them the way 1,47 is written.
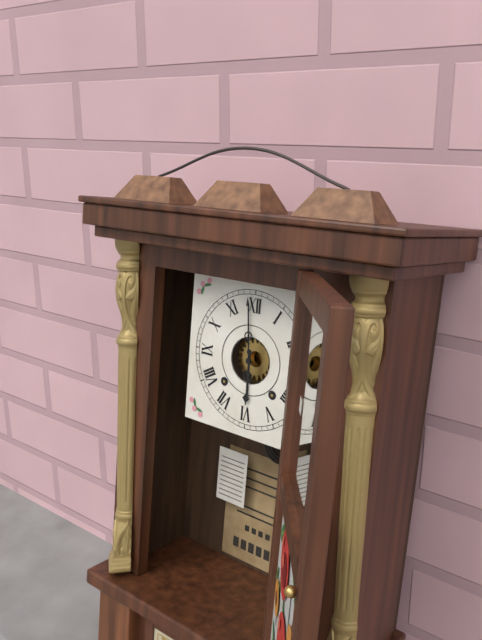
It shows 5,59
